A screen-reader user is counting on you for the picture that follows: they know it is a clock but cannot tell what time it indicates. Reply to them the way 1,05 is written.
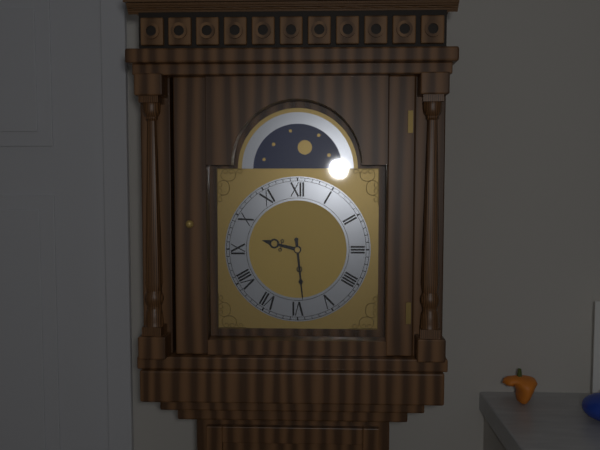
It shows 9,29
